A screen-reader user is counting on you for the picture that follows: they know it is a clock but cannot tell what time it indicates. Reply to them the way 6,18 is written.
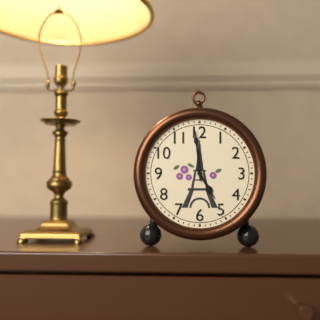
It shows 4,59
